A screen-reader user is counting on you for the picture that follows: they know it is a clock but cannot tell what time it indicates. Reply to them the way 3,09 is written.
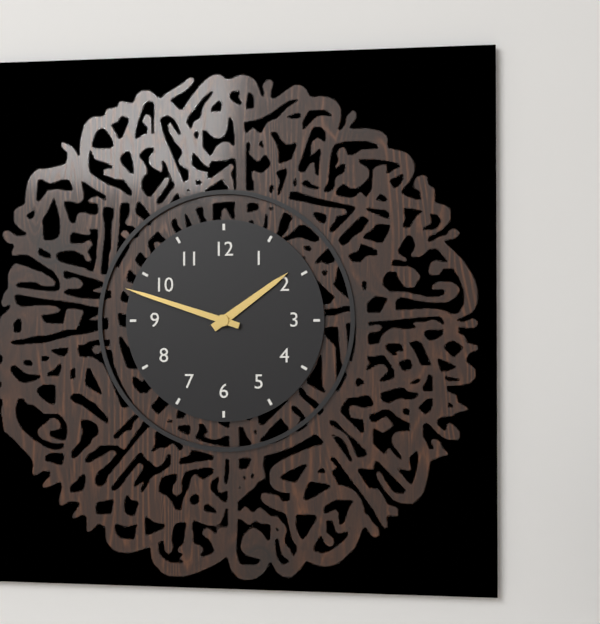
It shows 1,48
